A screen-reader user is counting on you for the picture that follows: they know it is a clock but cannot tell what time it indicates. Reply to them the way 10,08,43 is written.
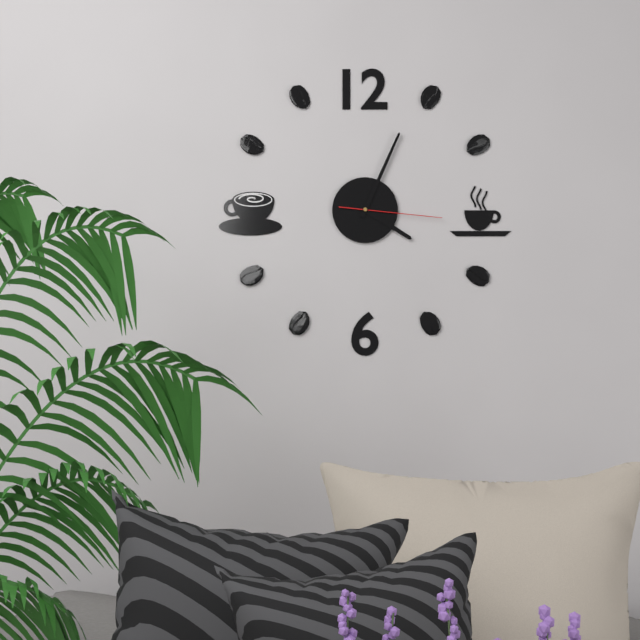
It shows 4,04,16
